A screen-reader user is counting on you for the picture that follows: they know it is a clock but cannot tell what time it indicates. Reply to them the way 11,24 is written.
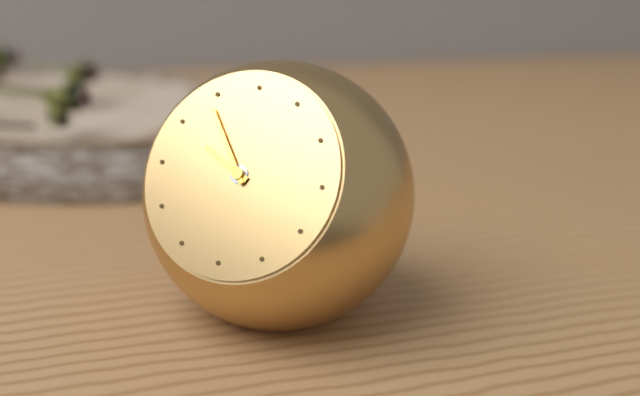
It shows 9,54
